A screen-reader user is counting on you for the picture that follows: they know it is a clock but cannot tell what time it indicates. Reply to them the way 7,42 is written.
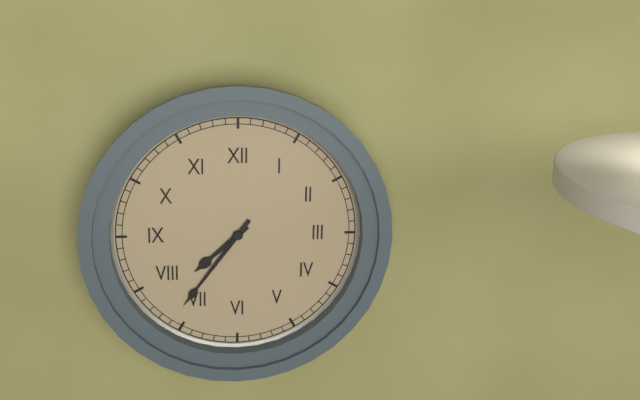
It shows 7,36
